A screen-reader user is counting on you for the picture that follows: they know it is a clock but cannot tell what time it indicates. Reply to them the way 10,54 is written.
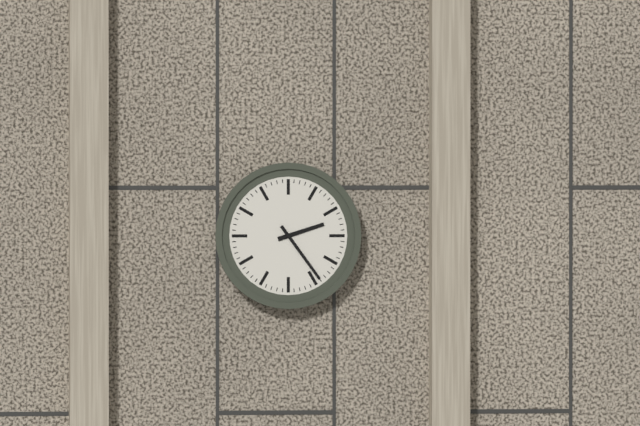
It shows 2,24
